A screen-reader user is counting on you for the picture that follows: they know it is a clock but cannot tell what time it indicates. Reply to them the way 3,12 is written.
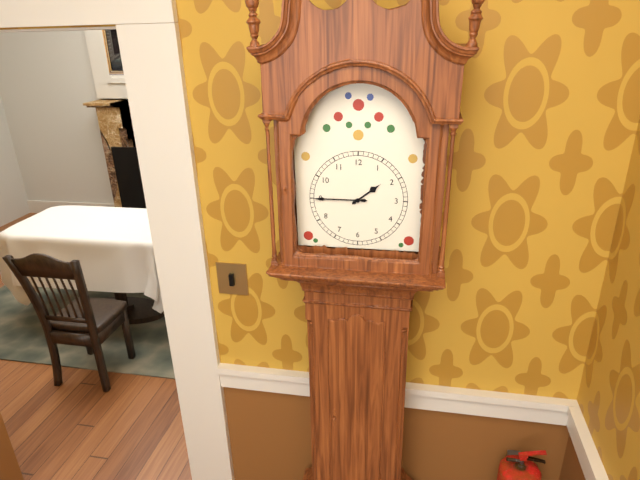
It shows 1,45
